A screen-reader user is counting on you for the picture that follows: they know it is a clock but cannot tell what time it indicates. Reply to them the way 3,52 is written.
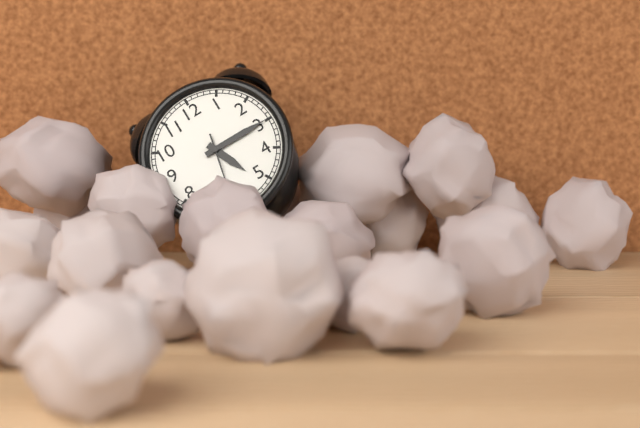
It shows 5,15
